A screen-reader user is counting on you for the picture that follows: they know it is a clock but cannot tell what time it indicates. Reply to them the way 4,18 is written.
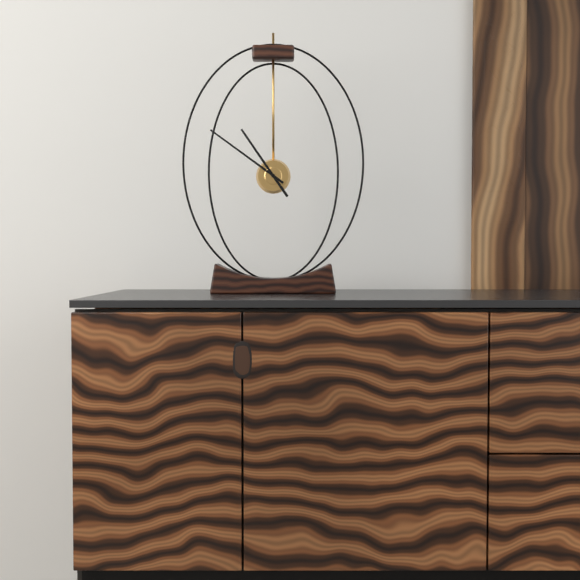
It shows 10,51
